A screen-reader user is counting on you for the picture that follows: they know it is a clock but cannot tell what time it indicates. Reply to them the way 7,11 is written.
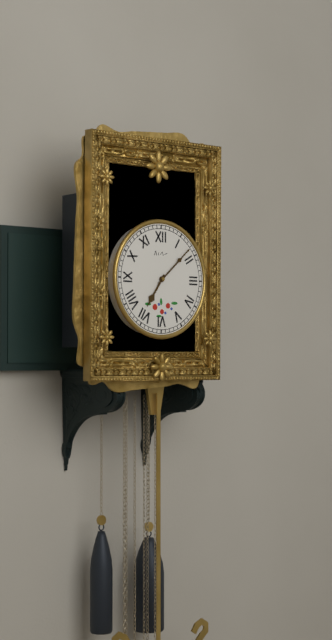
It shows 7,08
